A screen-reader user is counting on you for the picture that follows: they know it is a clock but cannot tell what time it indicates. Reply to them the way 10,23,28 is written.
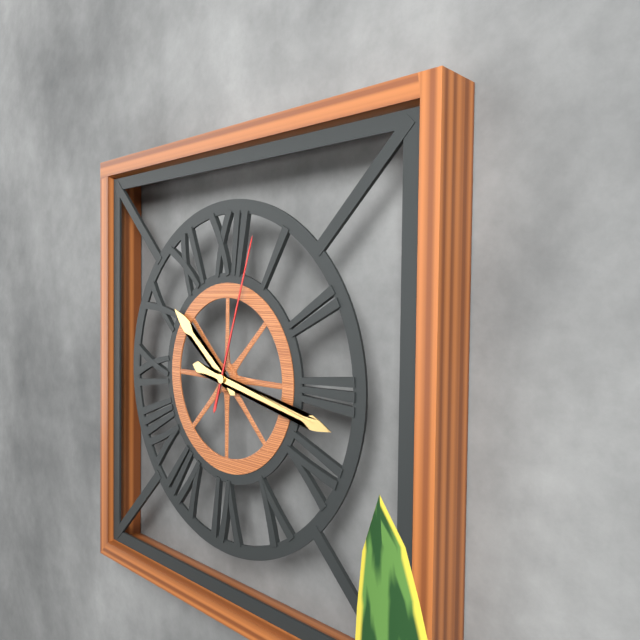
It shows 10,17,03
